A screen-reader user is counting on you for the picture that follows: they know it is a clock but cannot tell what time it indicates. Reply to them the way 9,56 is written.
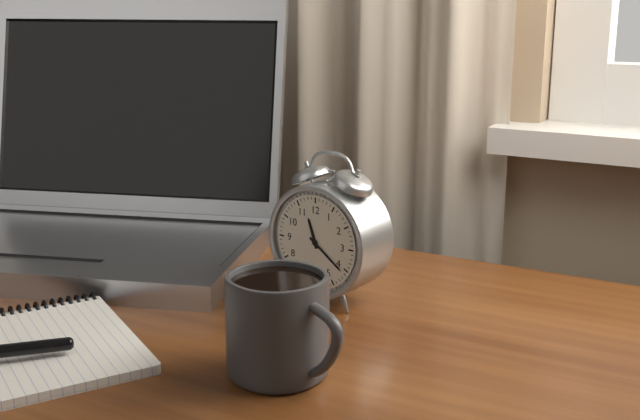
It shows 11,21
